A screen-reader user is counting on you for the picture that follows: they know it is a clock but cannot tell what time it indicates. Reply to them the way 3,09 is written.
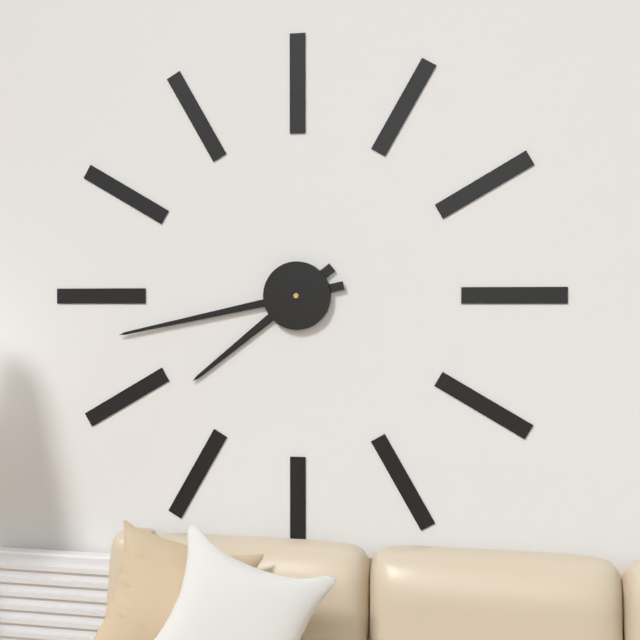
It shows 7,43
